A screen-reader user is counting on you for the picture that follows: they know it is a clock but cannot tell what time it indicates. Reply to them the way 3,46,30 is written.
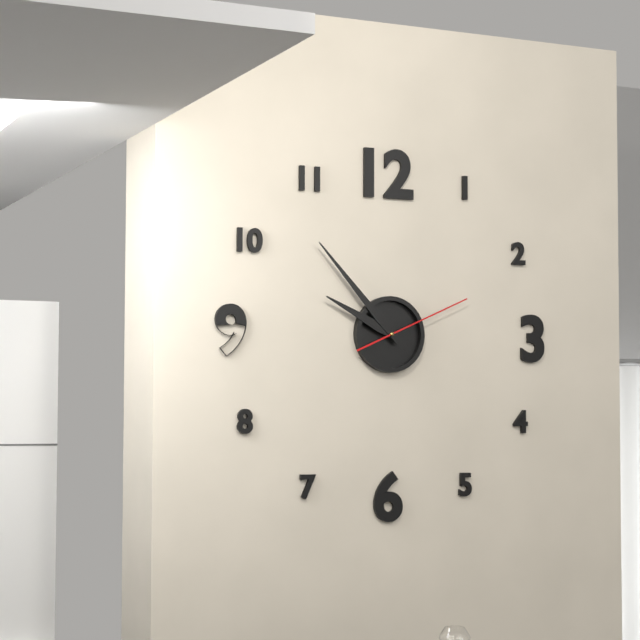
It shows 9,53,11
